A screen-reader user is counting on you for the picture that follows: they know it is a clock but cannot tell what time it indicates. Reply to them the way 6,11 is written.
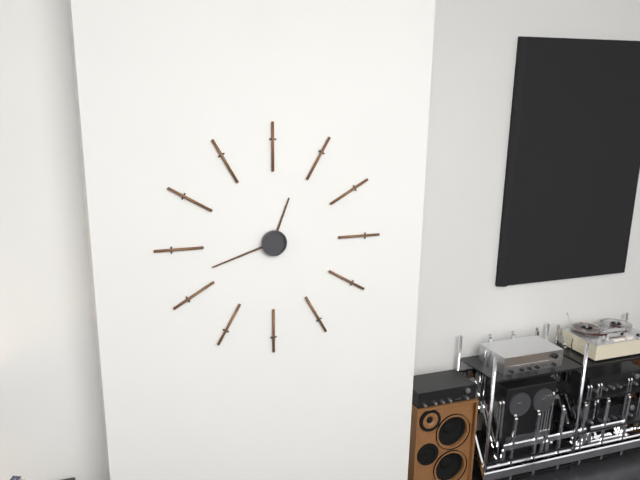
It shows 12,42
